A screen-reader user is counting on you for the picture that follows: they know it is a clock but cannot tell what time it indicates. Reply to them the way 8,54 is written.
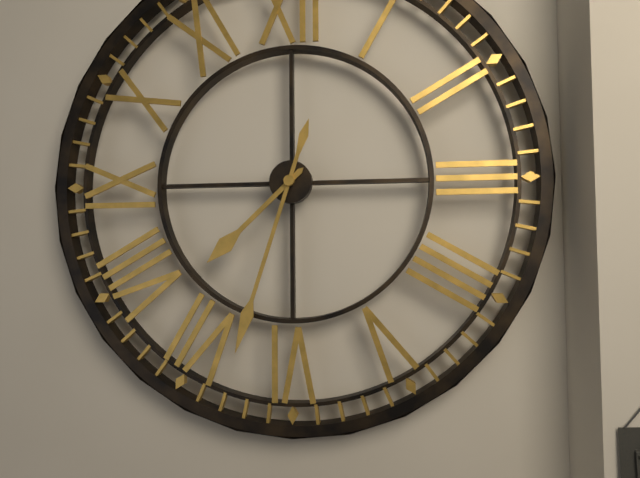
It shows 7,33
